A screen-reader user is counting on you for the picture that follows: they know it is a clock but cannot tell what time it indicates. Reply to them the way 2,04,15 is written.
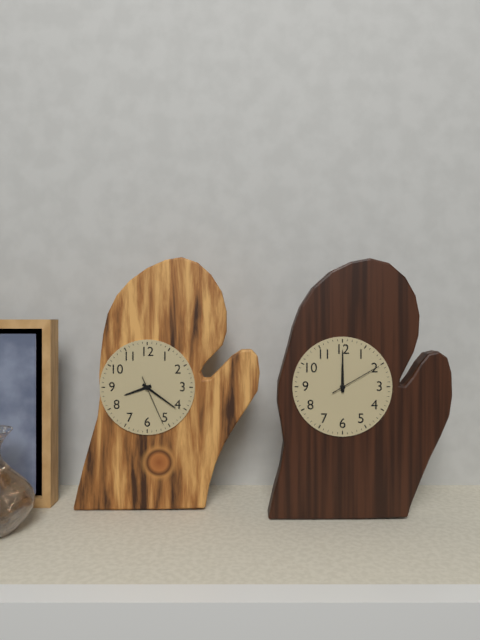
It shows 8,21,26
